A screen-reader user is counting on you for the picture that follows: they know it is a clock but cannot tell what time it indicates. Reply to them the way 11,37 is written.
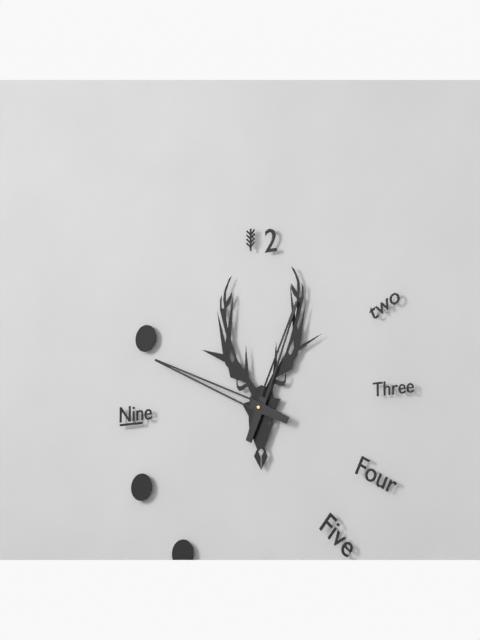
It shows 12,49
